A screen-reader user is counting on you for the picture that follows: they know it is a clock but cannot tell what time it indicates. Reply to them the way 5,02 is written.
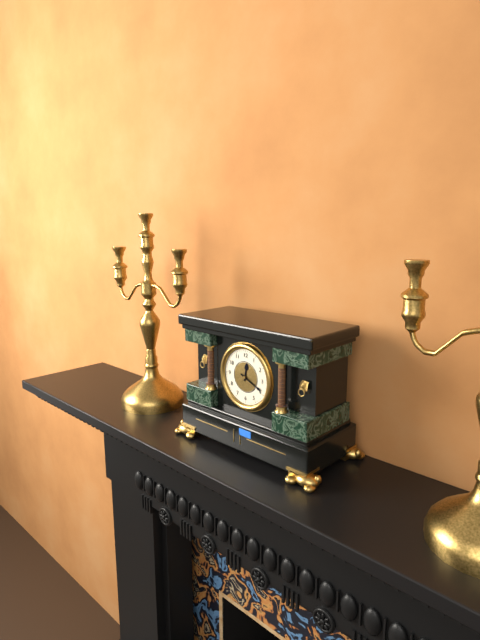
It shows 12,19
